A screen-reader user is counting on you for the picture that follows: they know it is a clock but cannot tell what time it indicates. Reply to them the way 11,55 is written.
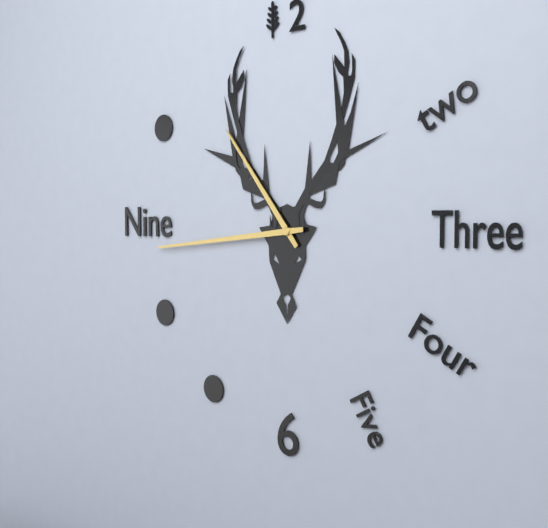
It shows 10,44
